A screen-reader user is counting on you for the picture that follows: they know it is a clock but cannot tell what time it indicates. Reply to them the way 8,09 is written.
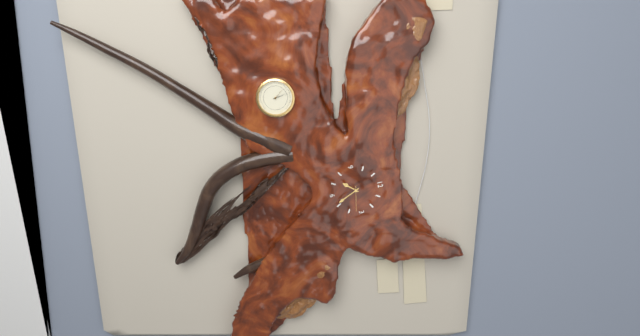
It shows 7,26
